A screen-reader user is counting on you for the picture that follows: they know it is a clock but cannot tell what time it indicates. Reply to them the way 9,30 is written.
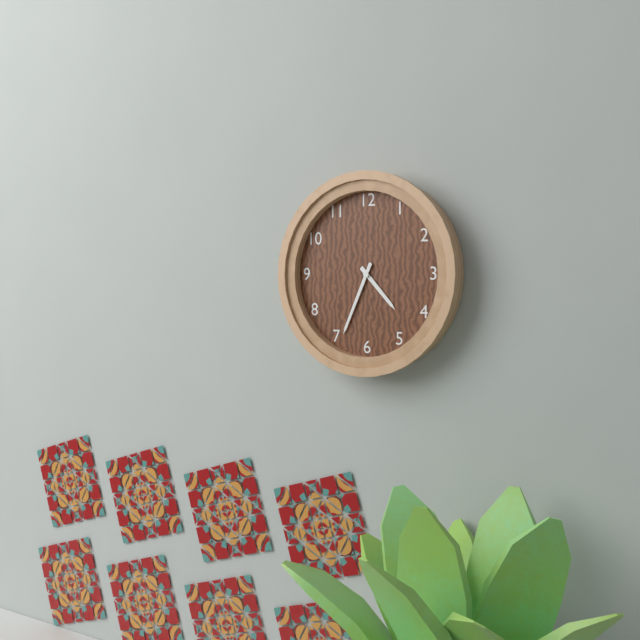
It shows 4,34
